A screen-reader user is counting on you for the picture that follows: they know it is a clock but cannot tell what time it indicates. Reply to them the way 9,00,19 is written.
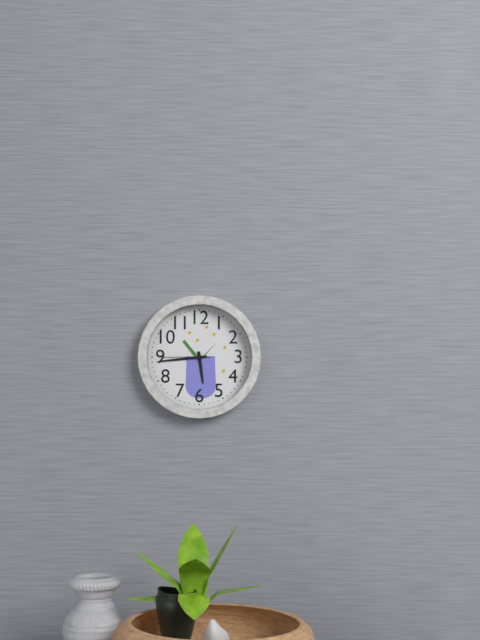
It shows 5,44,45
